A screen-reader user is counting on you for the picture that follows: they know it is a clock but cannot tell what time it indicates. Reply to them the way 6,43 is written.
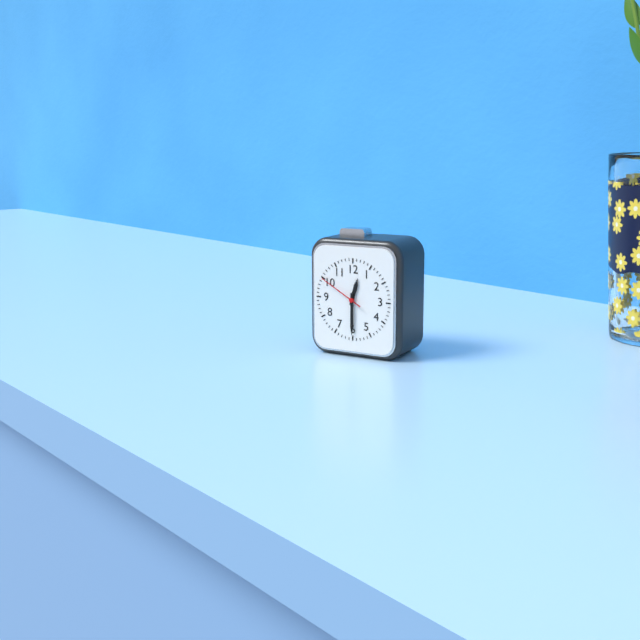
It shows 12,30
